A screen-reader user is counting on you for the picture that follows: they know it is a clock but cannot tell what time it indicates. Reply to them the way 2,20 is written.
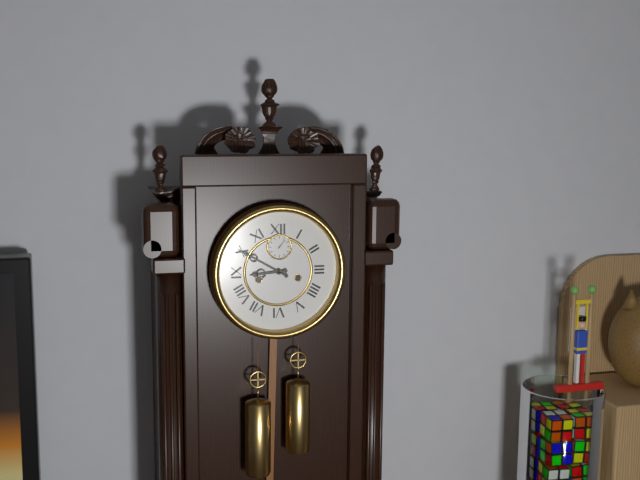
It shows 8,50
